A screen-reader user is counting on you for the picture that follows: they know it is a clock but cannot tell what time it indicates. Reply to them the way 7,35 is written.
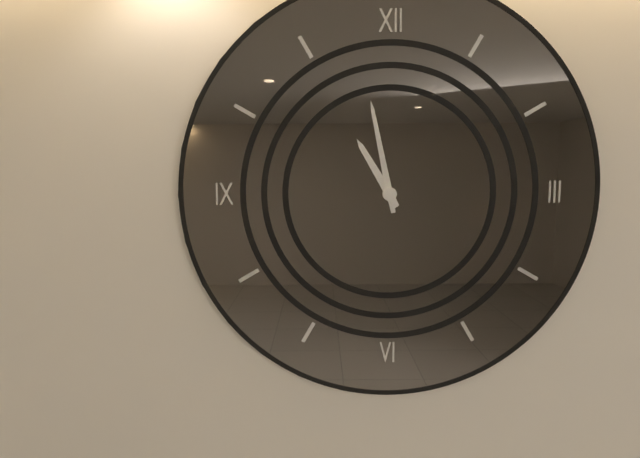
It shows 10,58
